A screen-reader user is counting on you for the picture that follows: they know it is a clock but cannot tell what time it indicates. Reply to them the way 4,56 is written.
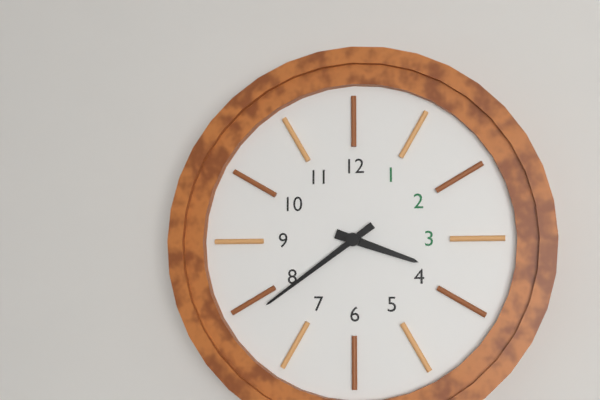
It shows 3,39
